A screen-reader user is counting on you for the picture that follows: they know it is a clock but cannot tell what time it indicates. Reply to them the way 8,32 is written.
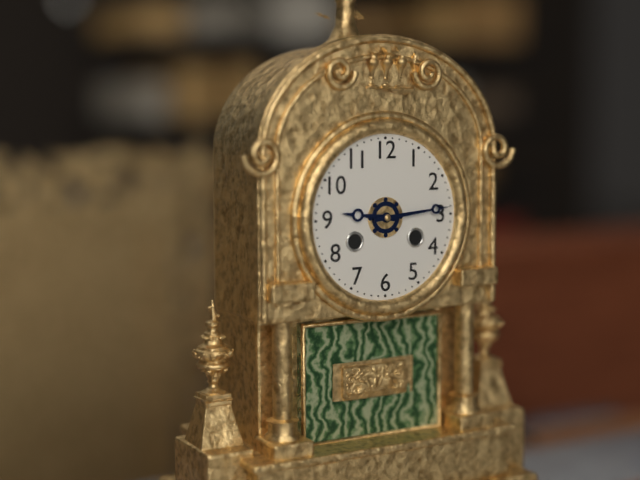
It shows 9,14
